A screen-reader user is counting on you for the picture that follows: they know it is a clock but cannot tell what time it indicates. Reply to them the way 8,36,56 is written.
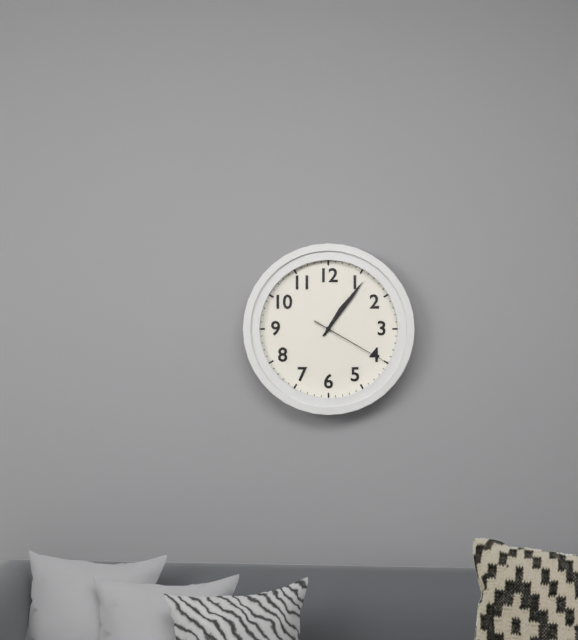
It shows 1,06,20
